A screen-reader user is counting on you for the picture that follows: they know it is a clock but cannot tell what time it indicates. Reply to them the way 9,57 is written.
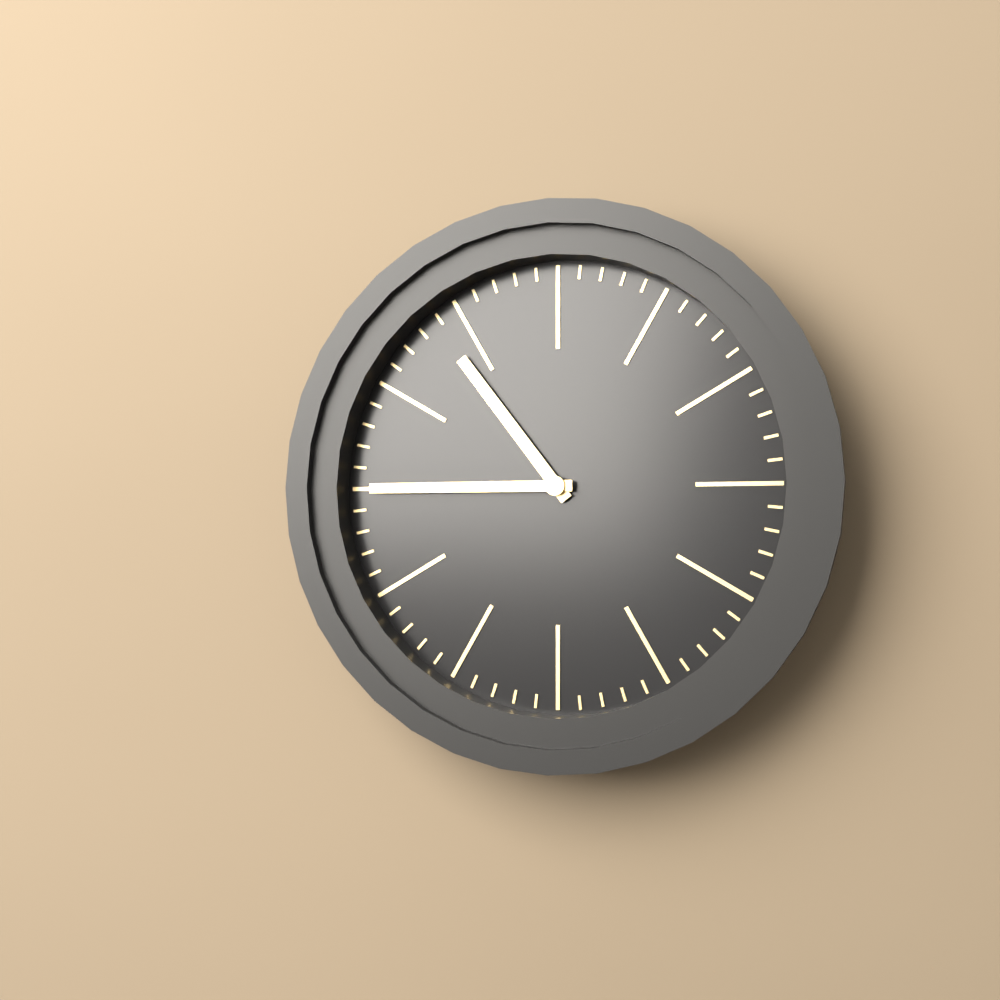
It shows 10,45
